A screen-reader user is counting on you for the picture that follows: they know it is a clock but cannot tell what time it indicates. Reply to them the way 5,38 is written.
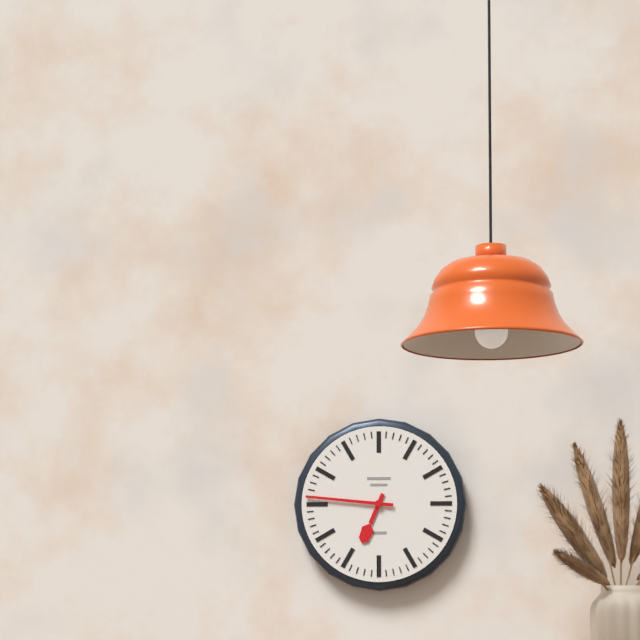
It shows 6,46
